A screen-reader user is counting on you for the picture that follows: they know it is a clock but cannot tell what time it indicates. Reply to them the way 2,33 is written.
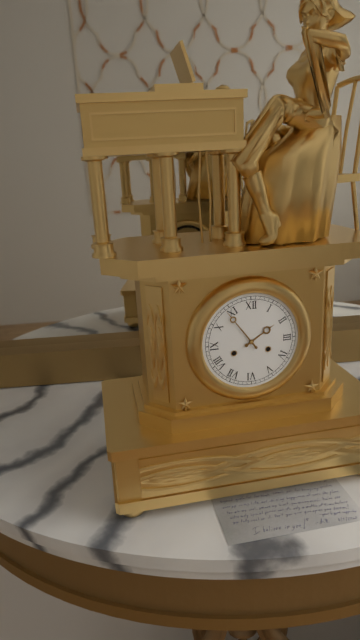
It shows 1,54
